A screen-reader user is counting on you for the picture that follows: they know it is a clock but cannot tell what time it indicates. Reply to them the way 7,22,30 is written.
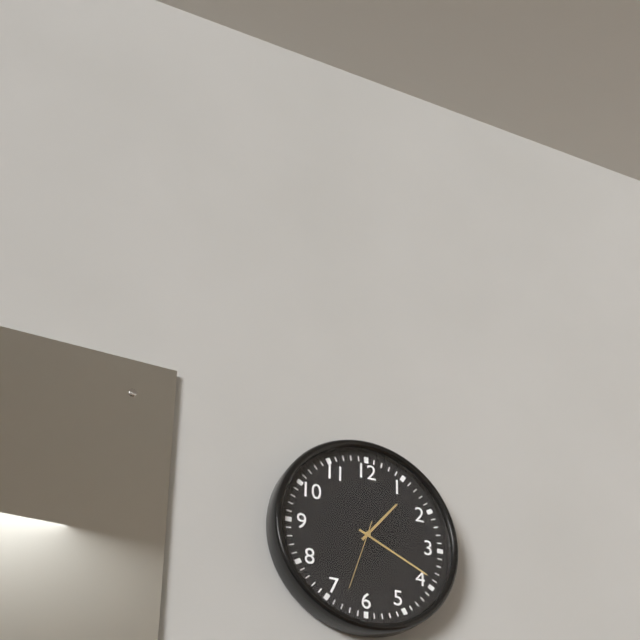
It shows 1,19,33
